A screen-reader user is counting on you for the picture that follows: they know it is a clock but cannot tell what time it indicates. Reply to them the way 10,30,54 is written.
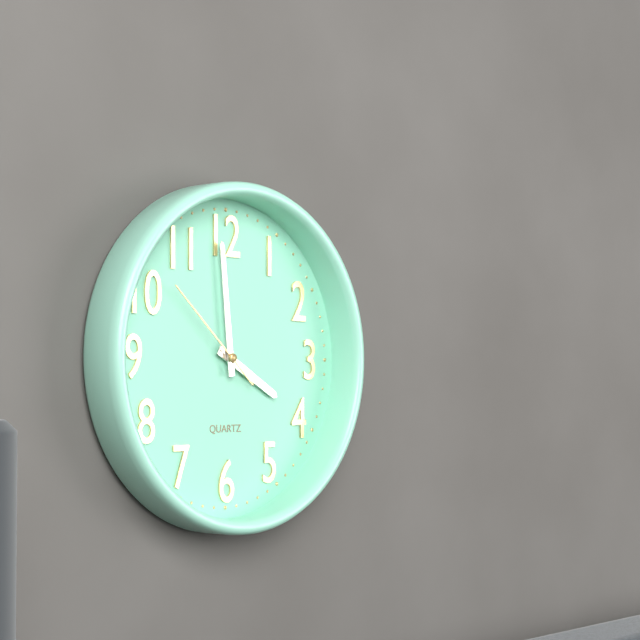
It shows 3,59,52
